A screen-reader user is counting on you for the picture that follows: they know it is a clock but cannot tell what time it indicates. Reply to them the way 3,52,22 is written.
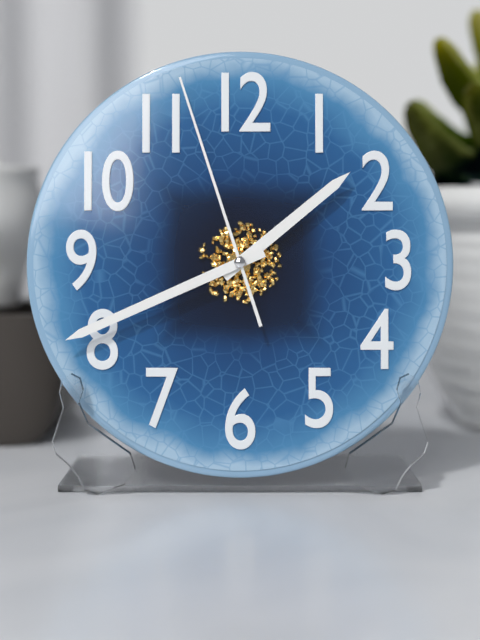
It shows 1,41,57
